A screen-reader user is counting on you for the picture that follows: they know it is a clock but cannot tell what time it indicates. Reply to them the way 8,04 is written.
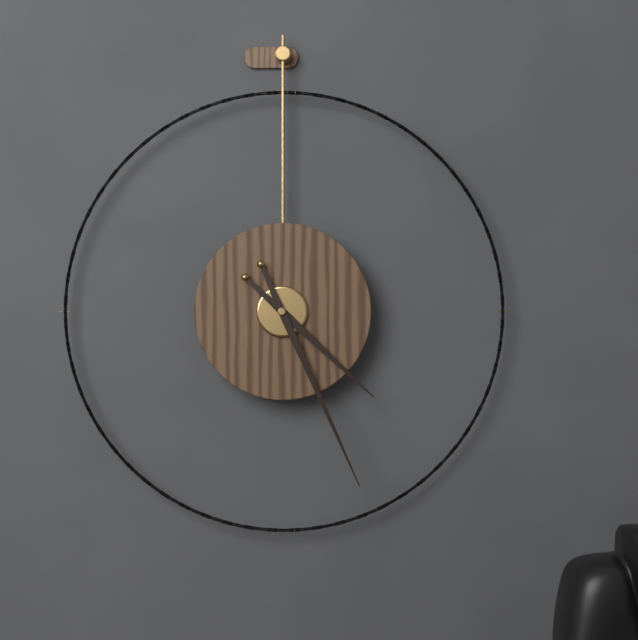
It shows 4,26
